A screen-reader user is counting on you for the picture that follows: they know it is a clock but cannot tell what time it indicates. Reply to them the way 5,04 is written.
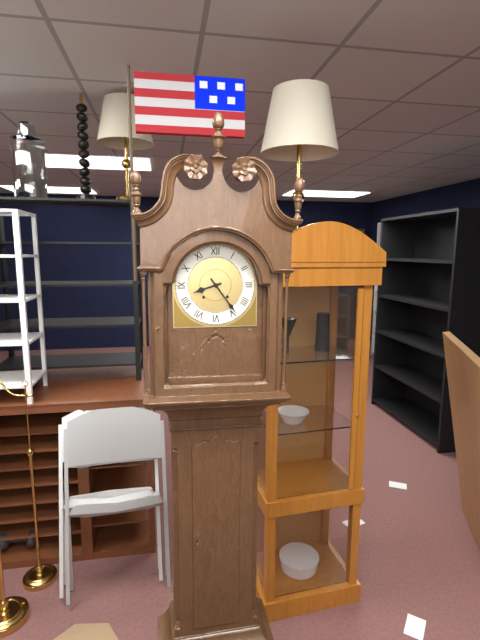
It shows 8,24
